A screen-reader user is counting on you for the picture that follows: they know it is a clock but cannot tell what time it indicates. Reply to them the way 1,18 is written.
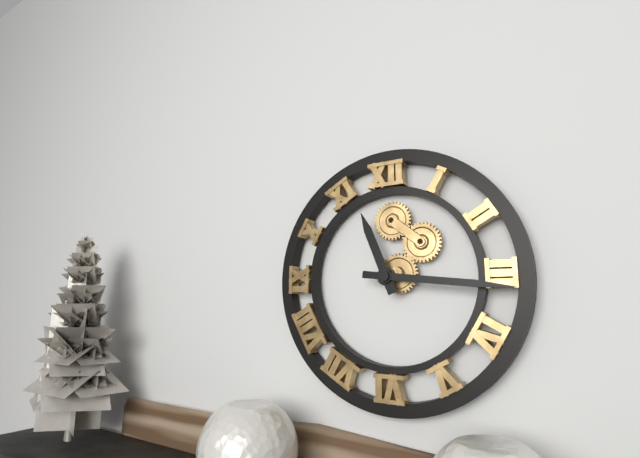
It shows 11,16
